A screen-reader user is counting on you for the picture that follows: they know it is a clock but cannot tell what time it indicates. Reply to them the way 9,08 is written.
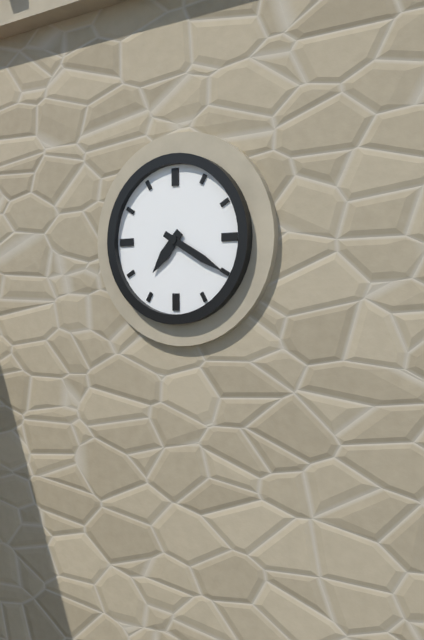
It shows 7,20
